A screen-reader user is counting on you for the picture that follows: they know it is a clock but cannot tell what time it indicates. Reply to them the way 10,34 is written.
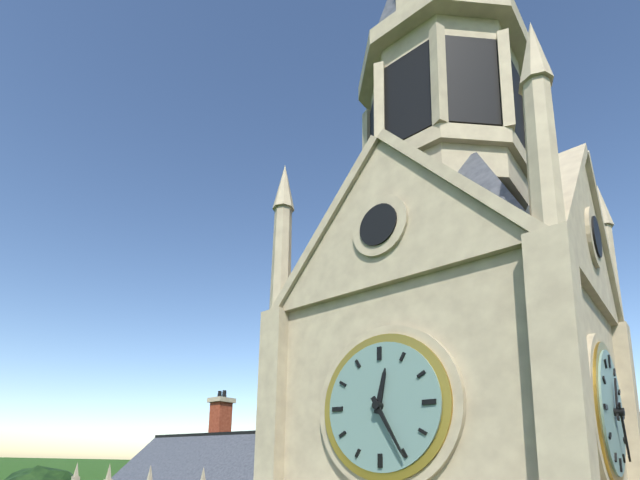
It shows 12,25
